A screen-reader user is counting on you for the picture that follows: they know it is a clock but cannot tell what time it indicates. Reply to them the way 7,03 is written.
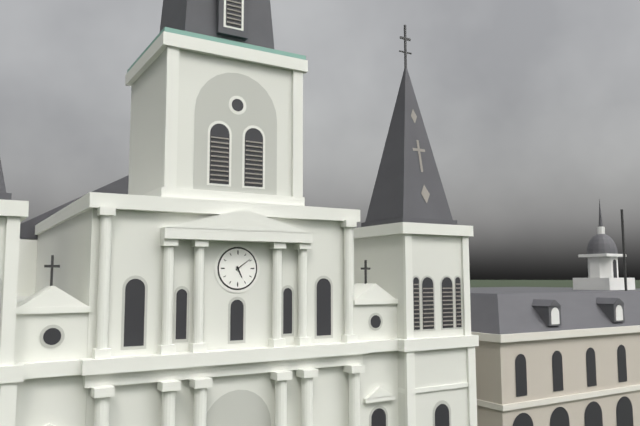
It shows 5,09
